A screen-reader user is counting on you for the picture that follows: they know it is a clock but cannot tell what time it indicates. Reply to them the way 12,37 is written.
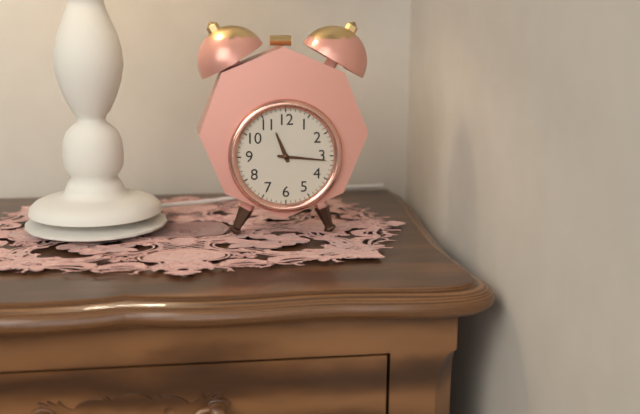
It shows 11,16
